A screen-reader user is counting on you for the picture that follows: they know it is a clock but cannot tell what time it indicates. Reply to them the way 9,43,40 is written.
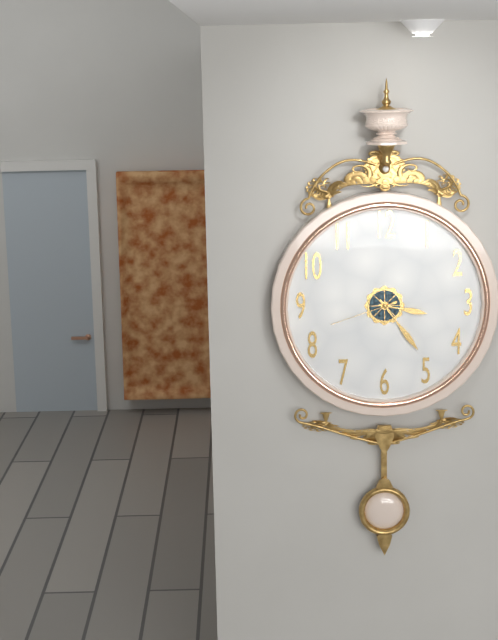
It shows 3,24,42
